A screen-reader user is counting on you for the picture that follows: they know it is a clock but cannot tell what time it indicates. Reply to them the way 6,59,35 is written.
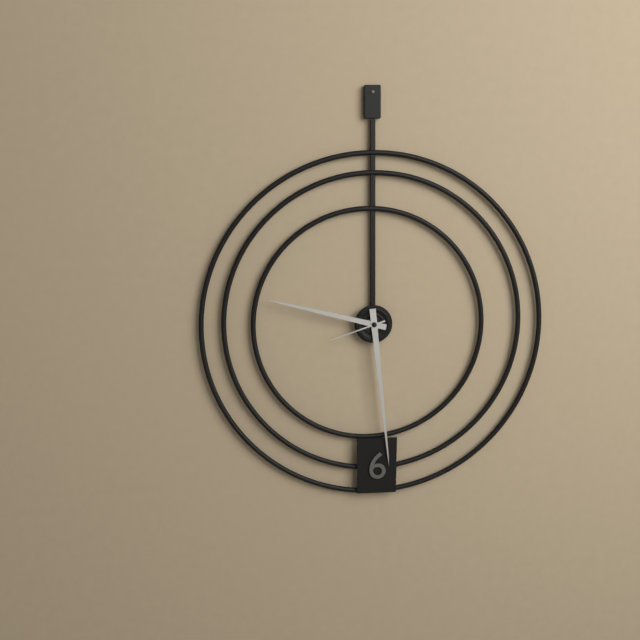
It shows 9,29,42
